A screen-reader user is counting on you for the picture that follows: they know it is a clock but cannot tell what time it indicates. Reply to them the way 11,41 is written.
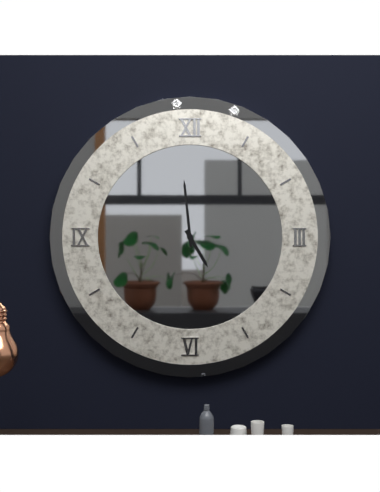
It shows 4,59
